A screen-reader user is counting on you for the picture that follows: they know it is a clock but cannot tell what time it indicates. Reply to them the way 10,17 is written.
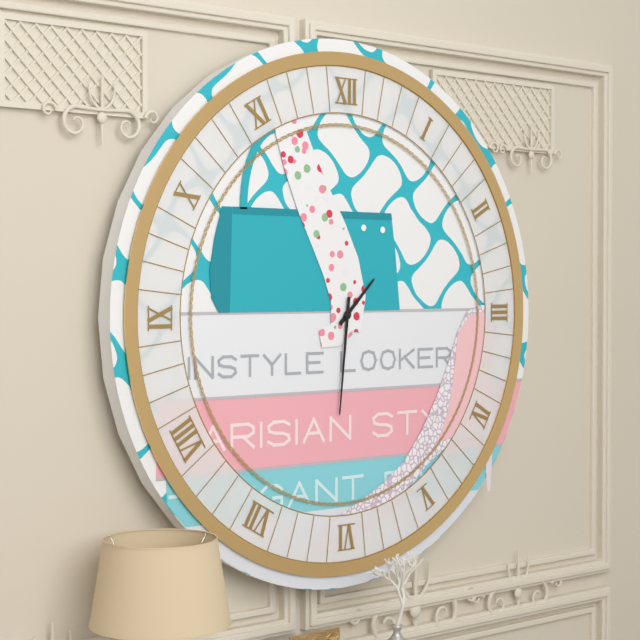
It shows 1,31
